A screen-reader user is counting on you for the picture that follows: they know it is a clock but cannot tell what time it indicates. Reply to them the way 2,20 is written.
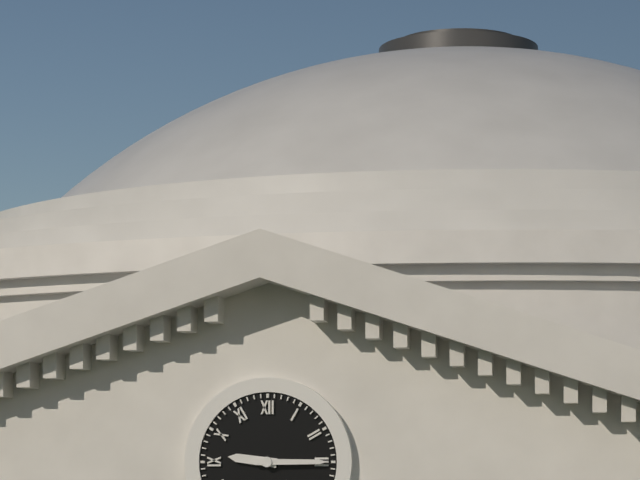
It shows 9,15
